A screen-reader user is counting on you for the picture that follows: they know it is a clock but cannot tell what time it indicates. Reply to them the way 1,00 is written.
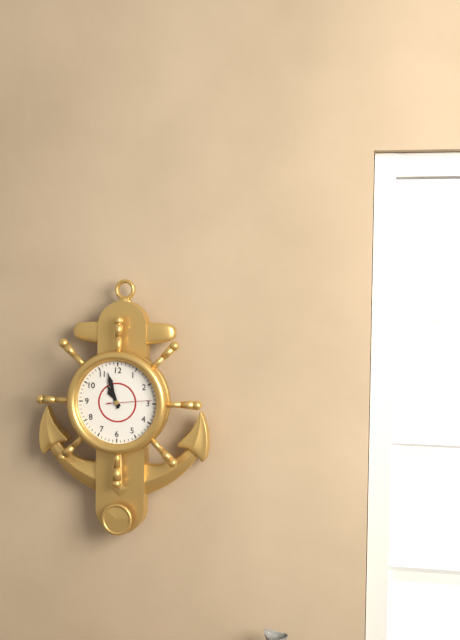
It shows 10,57
